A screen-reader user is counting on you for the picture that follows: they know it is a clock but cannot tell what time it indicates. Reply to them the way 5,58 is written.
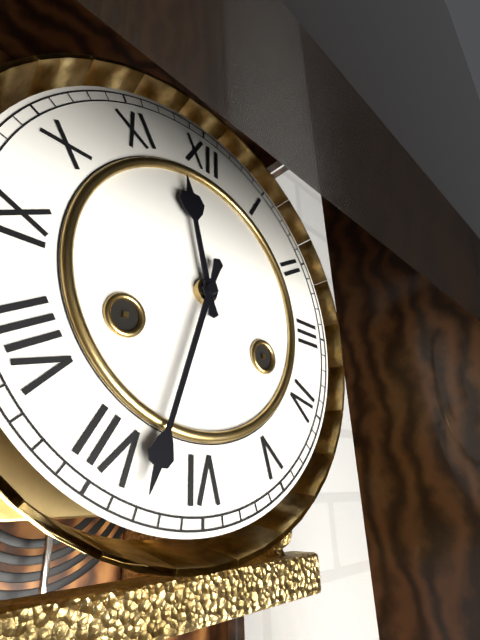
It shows 11,33
